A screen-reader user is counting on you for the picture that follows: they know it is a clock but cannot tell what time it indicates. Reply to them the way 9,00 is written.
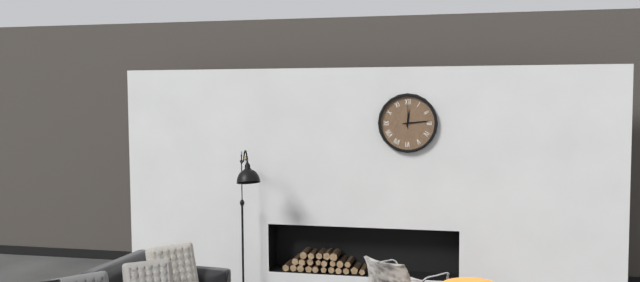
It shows 12,14
